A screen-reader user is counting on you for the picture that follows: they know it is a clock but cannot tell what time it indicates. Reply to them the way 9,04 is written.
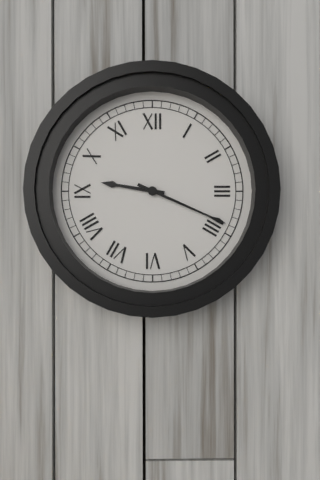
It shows 9,19
